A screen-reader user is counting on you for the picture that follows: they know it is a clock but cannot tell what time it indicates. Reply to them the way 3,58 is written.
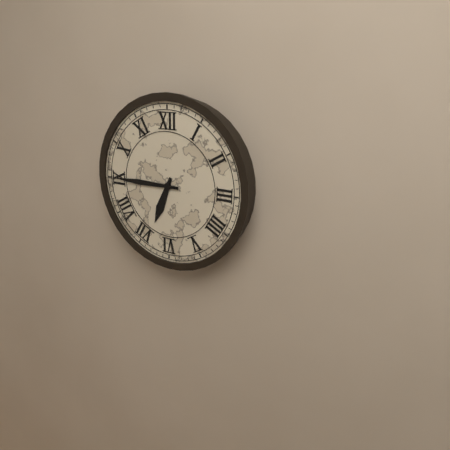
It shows 6,45
